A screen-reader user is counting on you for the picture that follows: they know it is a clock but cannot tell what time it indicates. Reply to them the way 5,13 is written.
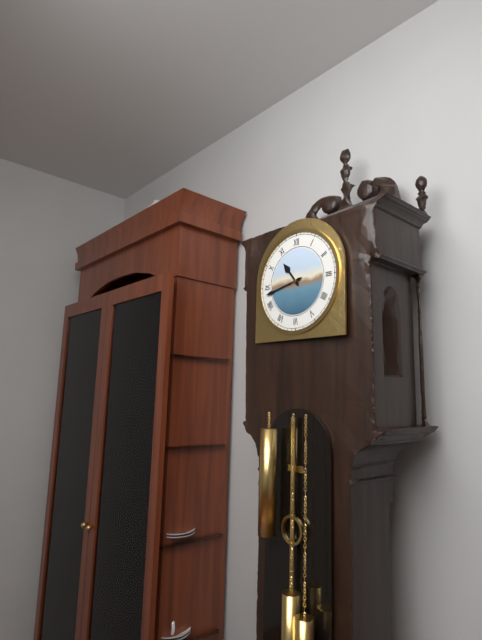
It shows 10,43
